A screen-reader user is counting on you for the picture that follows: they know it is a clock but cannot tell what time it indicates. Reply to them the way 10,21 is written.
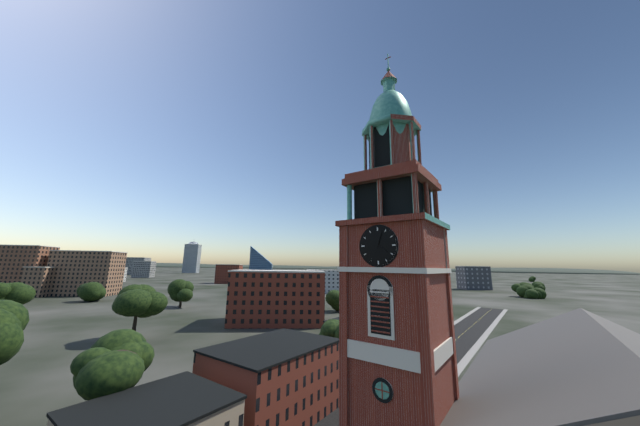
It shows 4,03
